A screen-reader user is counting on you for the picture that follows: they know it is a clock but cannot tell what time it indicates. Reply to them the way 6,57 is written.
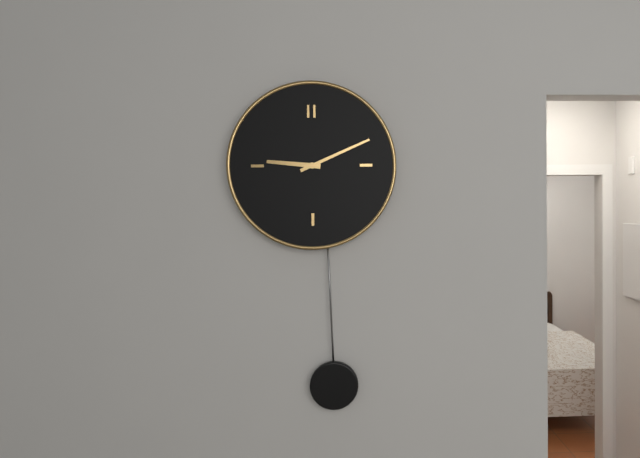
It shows 9,11
